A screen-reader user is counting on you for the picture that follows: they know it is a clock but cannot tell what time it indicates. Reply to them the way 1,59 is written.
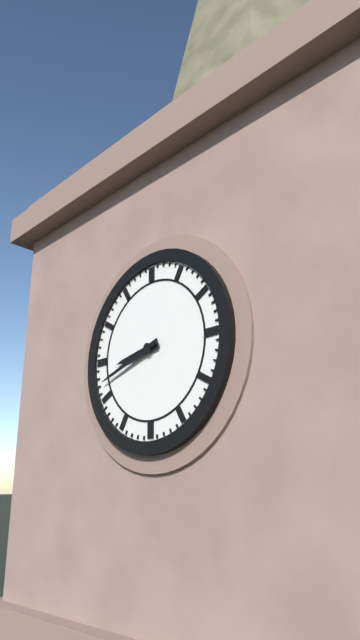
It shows 8,42
